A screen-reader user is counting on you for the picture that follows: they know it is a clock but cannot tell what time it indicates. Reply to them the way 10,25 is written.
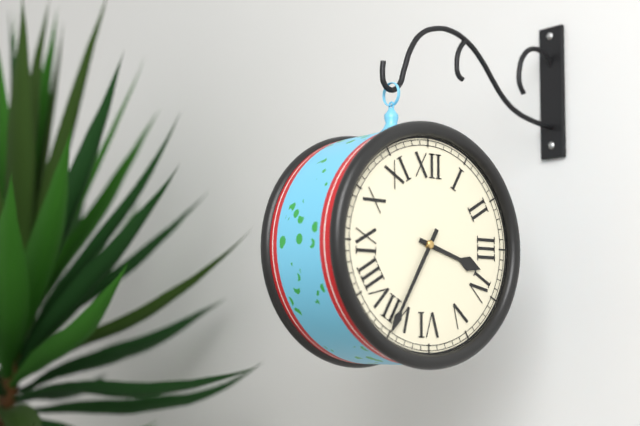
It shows 3,35
